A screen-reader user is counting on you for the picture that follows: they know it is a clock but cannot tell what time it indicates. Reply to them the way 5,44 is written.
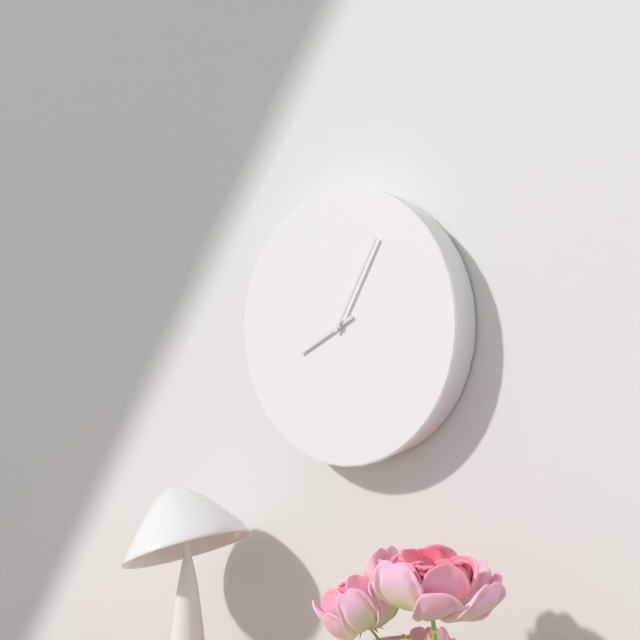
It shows 8,05
